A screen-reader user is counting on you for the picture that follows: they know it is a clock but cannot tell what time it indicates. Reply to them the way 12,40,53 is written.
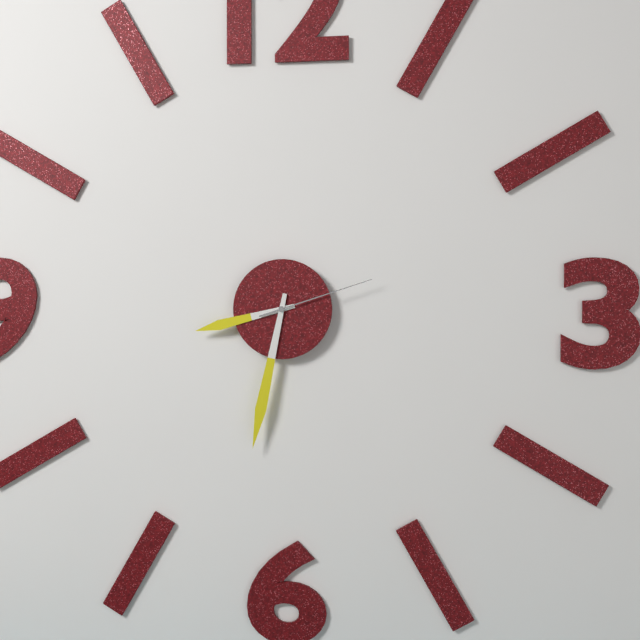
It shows 8,32,12
